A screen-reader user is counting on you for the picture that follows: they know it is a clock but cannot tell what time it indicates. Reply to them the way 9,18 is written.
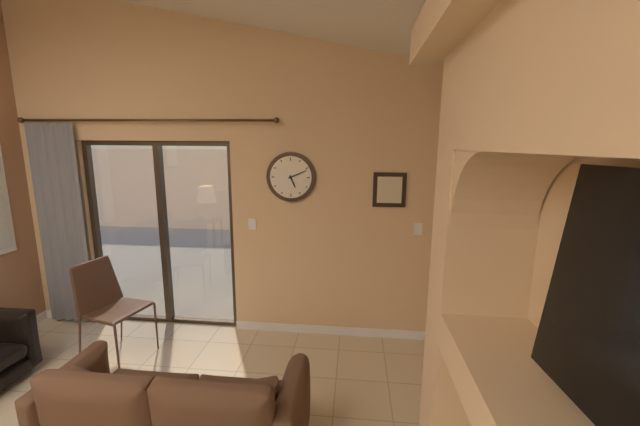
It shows 5,11
